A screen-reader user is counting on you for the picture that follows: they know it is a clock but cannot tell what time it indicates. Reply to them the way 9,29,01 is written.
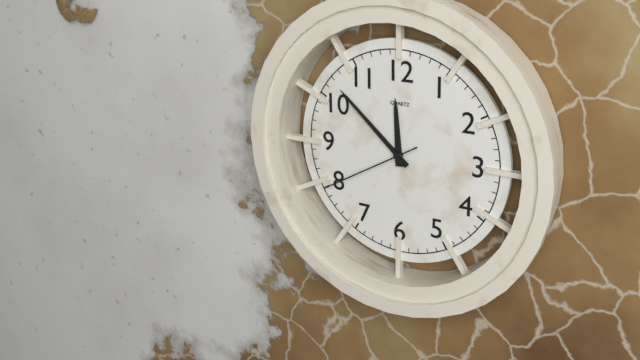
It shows 11,52,40
